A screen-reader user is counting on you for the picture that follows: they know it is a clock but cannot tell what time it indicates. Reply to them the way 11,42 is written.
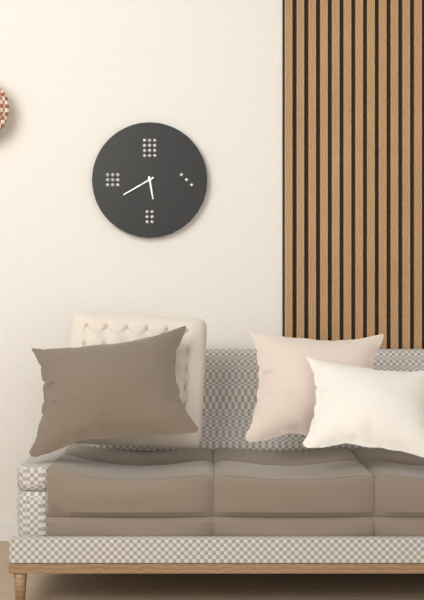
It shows 5,40
